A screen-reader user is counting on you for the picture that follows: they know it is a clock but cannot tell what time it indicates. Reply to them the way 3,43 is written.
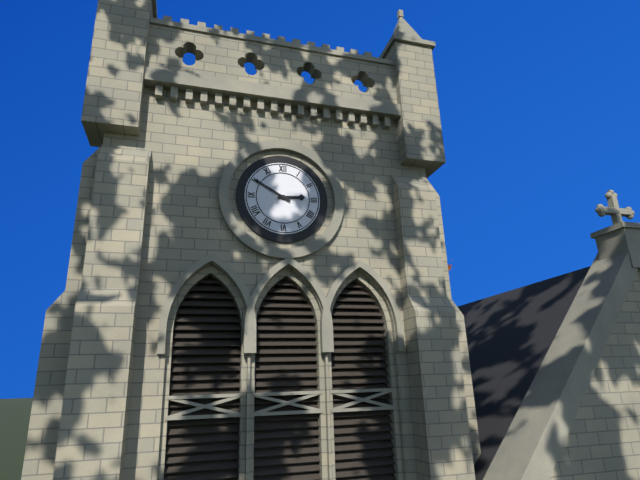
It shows 2,50
